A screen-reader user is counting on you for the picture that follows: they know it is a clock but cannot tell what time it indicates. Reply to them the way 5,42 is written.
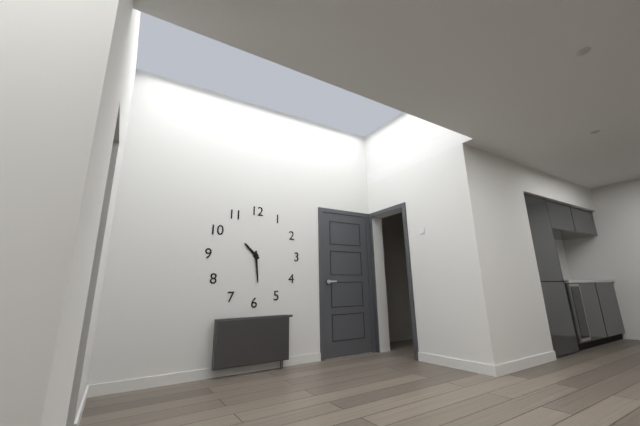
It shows 10,29
